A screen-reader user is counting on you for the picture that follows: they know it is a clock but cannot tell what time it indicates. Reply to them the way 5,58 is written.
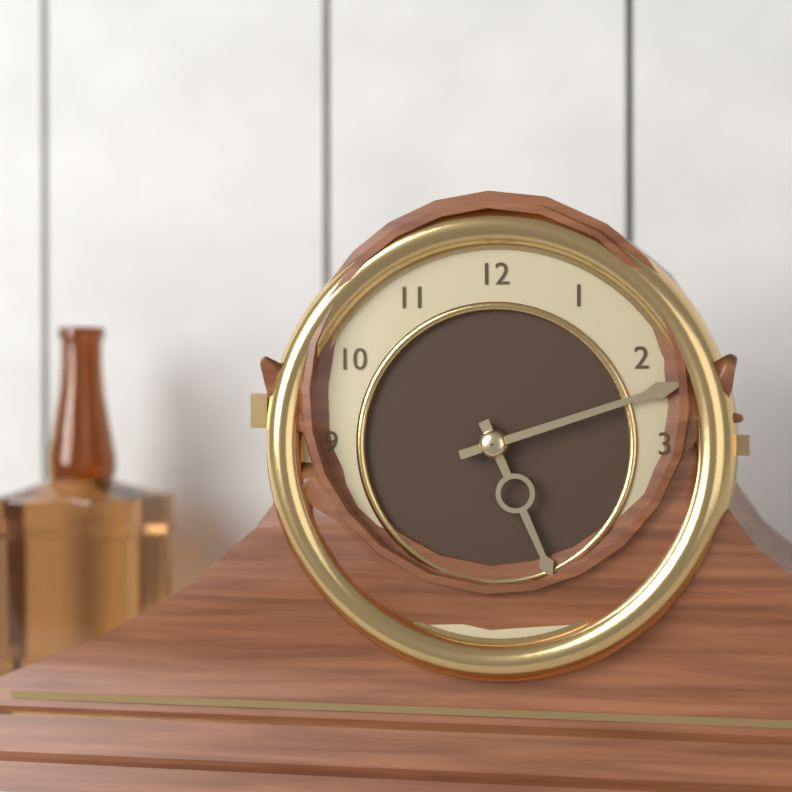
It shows 5,12
